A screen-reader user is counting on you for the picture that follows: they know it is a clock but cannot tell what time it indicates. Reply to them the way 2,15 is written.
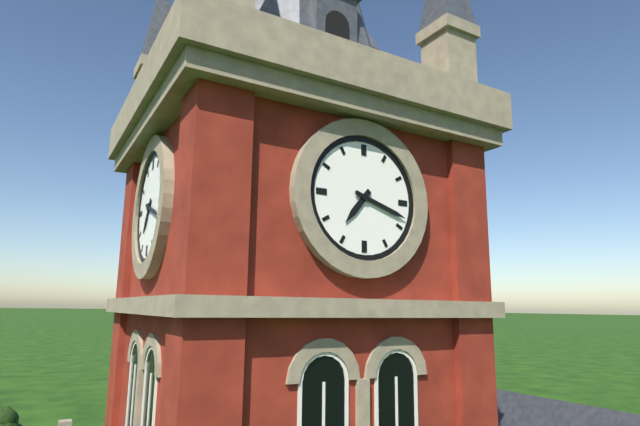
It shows 7,18
